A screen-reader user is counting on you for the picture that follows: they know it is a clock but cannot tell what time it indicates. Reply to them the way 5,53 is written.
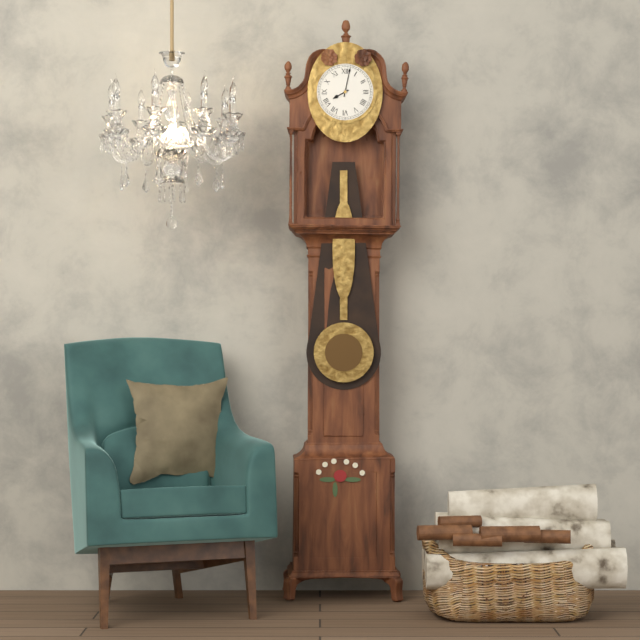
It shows 8,02
